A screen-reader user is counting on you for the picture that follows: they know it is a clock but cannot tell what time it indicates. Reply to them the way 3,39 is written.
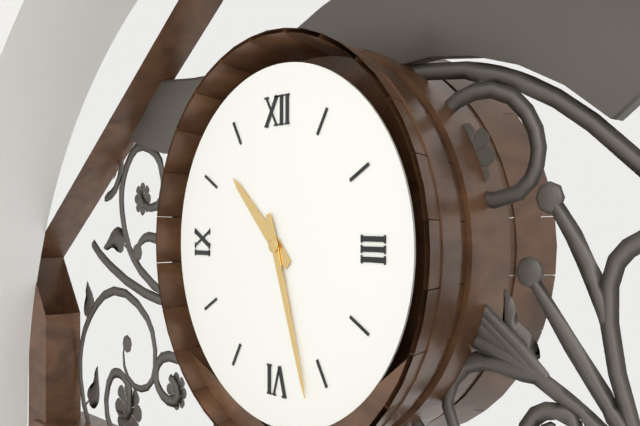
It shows 10,27
